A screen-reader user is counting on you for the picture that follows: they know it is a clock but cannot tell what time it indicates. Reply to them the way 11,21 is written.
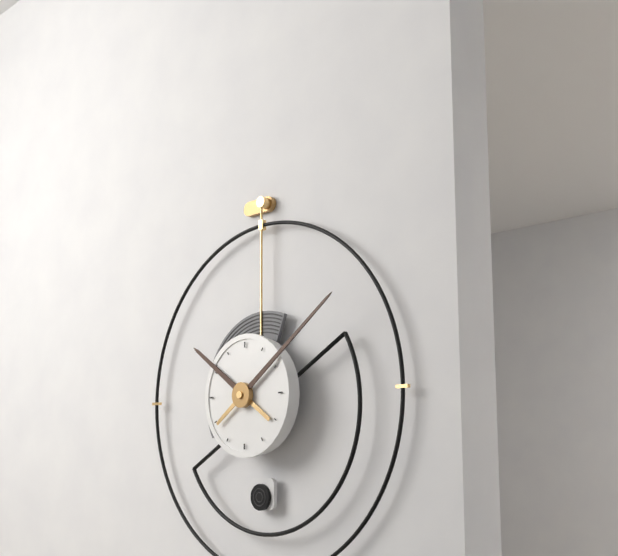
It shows 10,09
